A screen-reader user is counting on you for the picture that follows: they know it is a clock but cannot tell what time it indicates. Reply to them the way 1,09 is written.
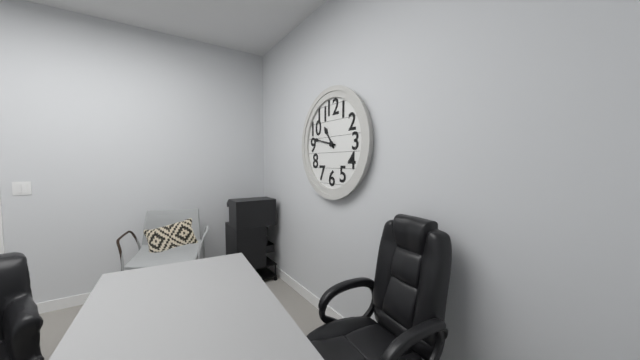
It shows 10,47
